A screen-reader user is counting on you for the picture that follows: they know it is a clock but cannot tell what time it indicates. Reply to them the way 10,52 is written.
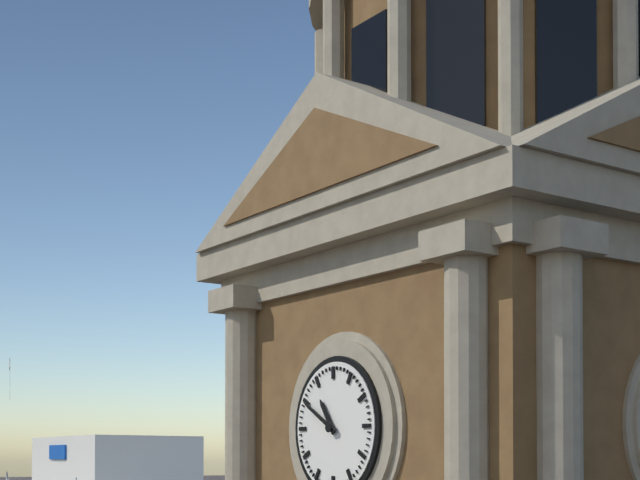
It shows 10,50
